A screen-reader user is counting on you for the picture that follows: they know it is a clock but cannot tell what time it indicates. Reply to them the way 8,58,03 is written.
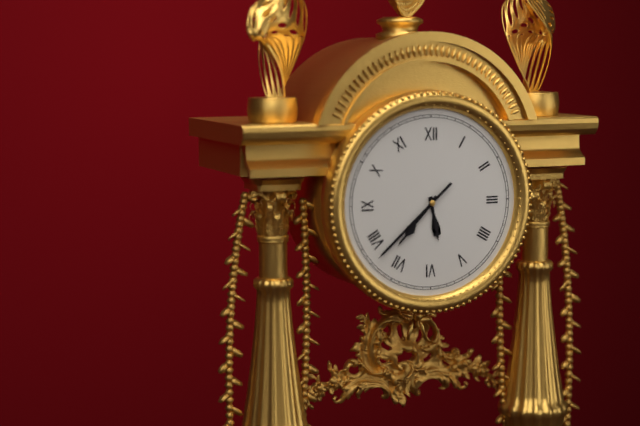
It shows 5,37,38
